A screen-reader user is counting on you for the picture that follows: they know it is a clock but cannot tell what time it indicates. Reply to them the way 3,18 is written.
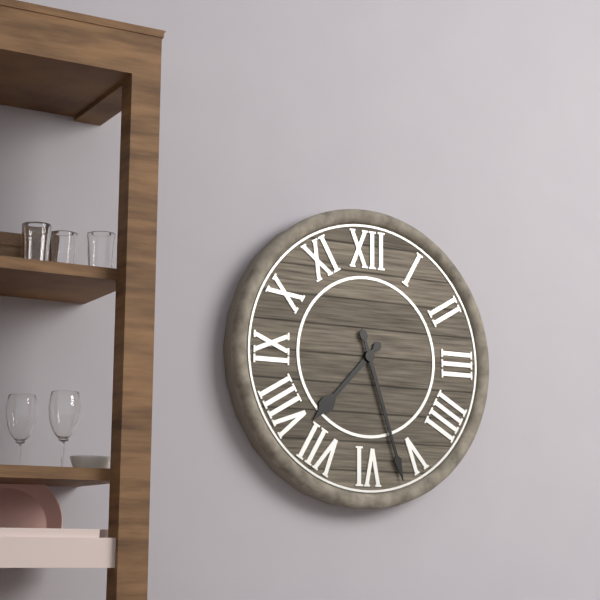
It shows 7,27
